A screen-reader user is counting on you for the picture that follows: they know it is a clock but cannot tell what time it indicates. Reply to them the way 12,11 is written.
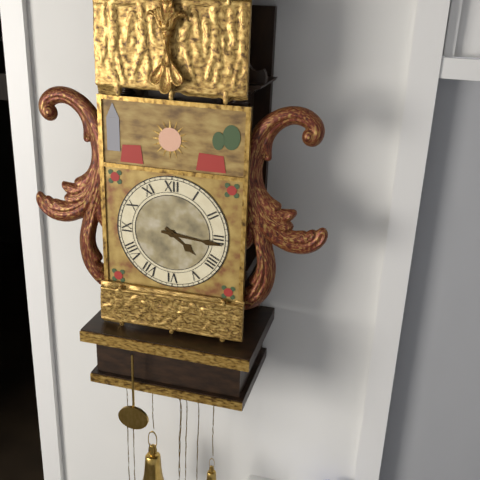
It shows 4,16
